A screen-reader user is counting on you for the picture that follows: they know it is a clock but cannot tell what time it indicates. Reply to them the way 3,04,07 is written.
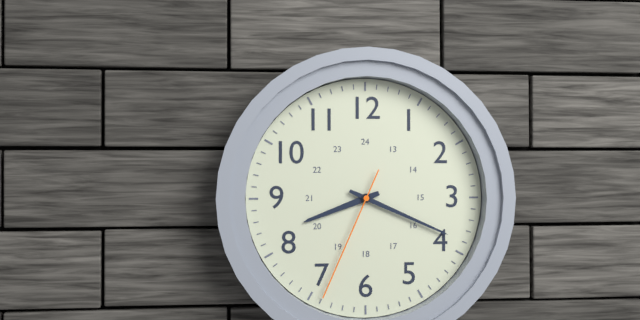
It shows 8,19,34
